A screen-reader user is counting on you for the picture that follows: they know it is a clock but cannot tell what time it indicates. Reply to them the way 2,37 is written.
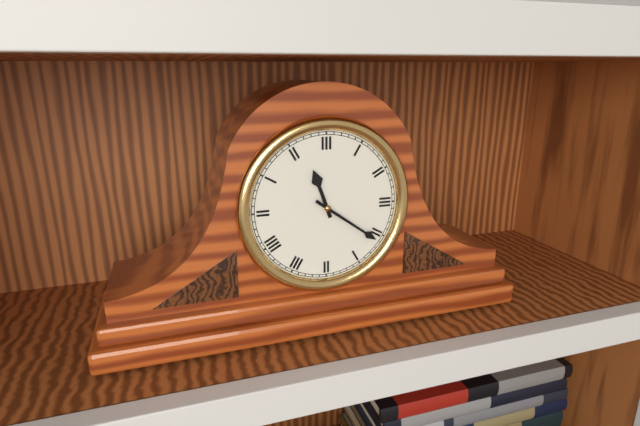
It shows 11,21
